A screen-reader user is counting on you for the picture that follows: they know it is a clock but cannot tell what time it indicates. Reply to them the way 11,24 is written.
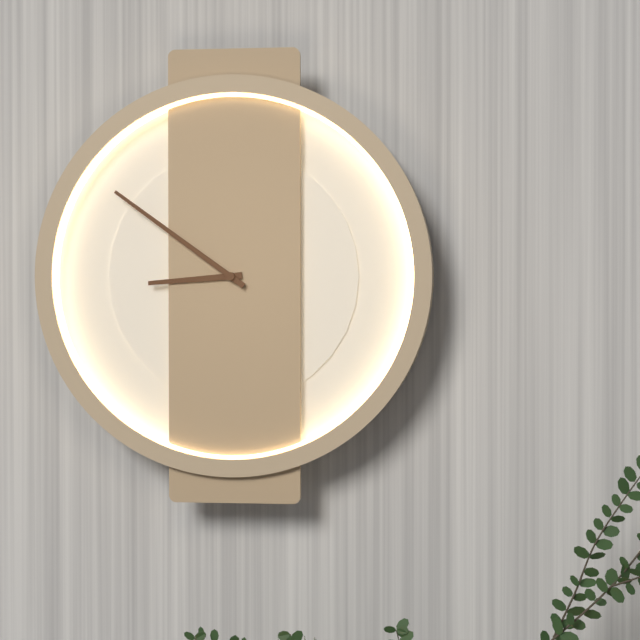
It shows 8,51
